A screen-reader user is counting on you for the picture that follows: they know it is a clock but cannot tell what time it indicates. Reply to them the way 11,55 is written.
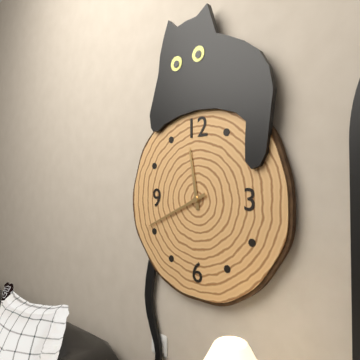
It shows 11,41
